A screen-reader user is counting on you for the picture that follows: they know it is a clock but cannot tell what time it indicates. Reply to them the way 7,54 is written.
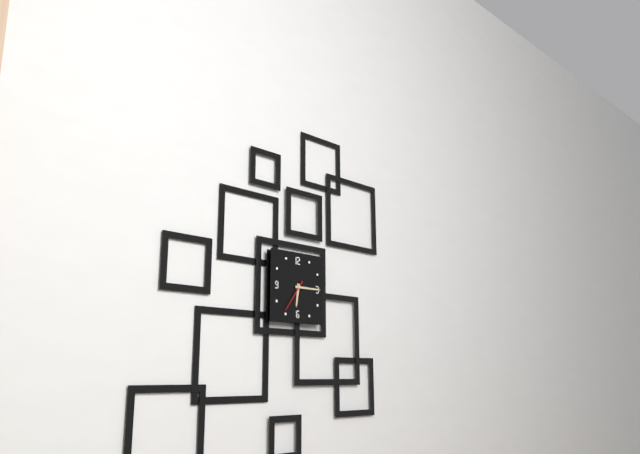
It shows 6,15
